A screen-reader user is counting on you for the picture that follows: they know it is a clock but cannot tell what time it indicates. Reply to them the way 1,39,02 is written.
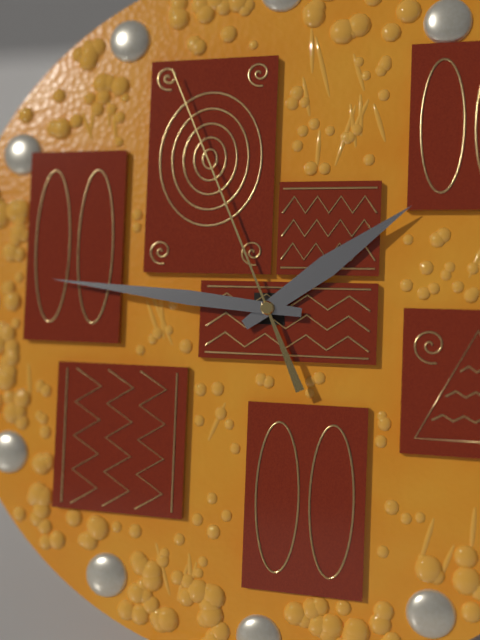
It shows 1,46,56
